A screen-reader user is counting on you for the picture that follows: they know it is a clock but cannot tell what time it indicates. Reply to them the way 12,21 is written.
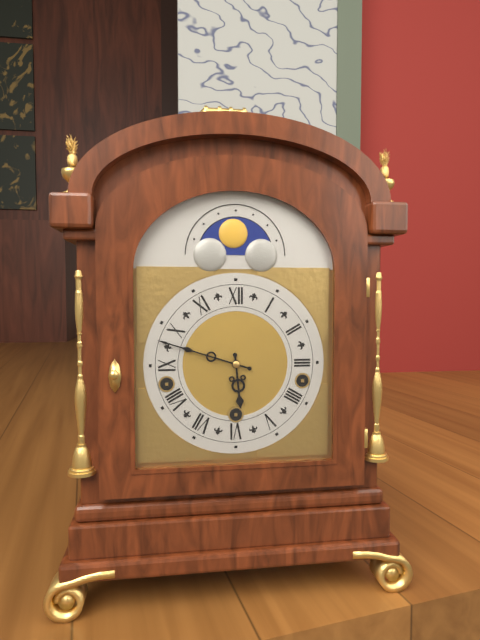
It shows 5,48
